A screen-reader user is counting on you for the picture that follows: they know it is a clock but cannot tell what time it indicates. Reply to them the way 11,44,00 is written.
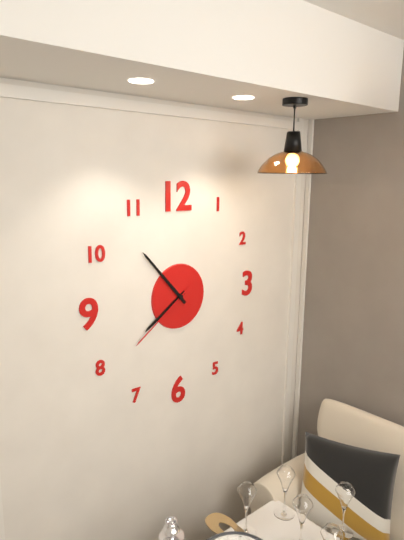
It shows 7,53,39
